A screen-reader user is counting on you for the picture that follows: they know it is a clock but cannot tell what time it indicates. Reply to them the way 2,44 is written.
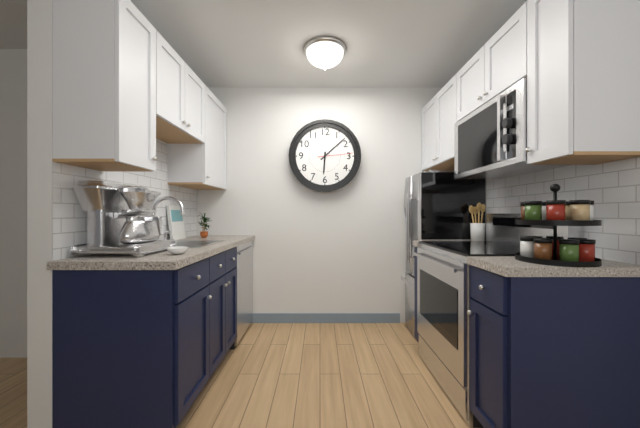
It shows 6,08
